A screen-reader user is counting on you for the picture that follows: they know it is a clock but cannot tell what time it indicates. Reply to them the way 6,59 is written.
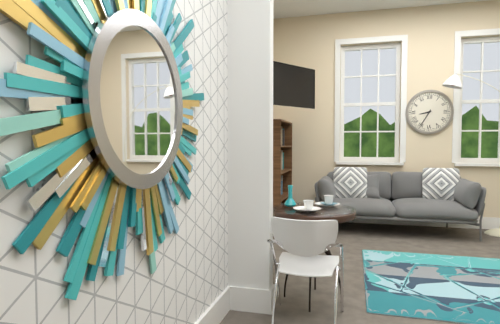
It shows 8,35
